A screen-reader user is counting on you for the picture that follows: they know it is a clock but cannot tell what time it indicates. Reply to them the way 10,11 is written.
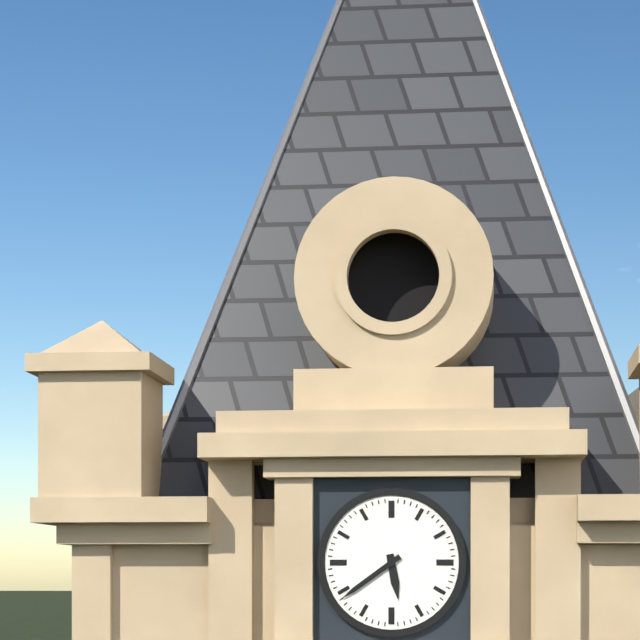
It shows 5,39
